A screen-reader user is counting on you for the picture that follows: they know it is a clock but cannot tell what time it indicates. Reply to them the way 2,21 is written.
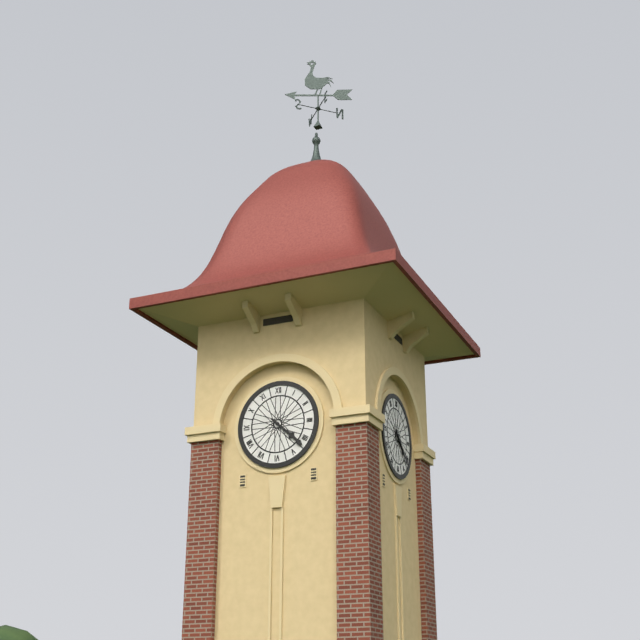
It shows 4,22
